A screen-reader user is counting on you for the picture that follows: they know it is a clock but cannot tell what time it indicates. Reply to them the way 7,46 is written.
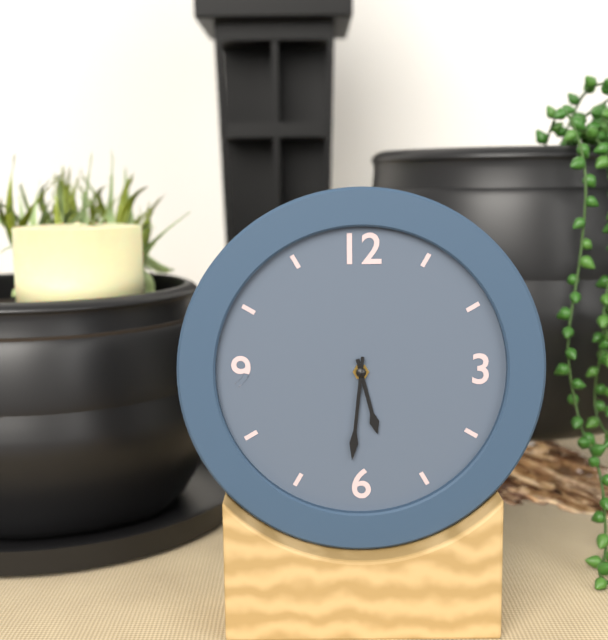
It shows 5,31
